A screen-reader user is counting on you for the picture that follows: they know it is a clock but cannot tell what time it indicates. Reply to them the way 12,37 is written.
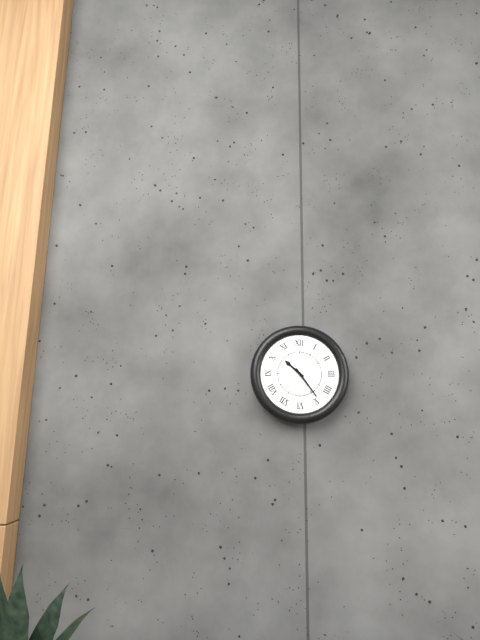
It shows 10,24
